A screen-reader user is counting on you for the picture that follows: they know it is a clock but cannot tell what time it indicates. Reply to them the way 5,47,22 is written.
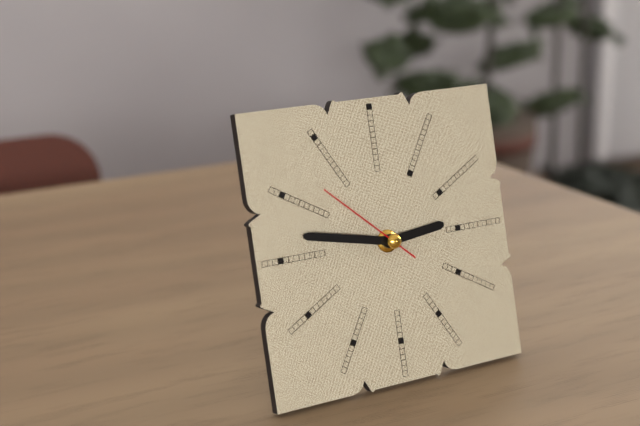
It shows 2,47,52
